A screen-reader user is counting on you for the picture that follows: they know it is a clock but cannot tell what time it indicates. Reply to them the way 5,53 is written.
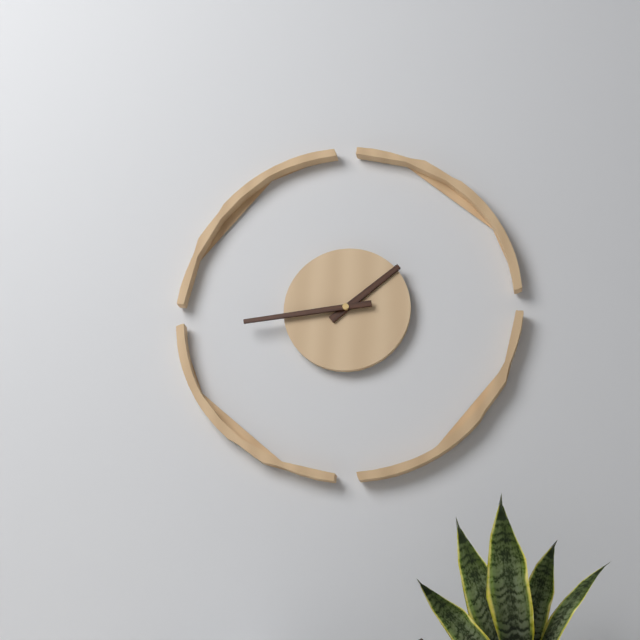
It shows 1,44
